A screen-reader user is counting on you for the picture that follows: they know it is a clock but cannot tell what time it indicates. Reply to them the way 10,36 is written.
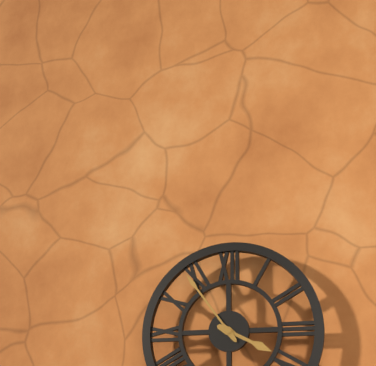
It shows 3,54
